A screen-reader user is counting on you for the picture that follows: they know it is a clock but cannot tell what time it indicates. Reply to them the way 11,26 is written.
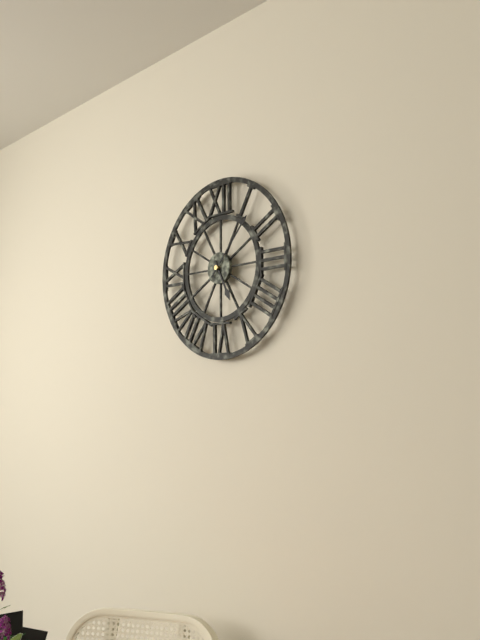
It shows 5,07
